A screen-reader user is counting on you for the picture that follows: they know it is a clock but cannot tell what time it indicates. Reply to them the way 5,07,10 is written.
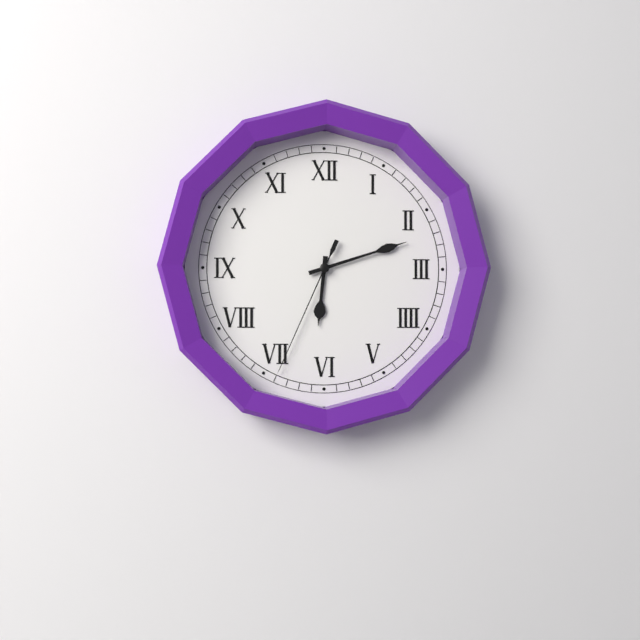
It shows 6,12,34
